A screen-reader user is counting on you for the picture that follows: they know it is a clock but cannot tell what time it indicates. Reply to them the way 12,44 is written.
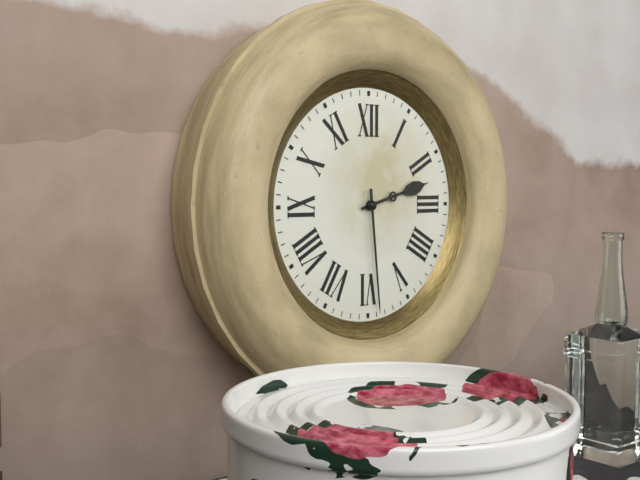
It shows 2,29
